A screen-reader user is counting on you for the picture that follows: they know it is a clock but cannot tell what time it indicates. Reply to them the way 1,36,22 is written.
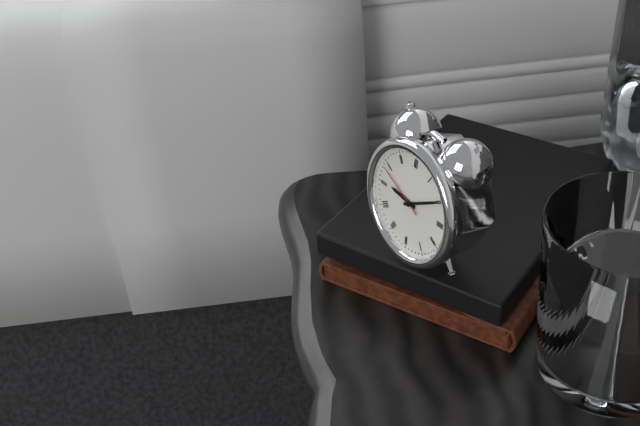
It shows 9,10,49
